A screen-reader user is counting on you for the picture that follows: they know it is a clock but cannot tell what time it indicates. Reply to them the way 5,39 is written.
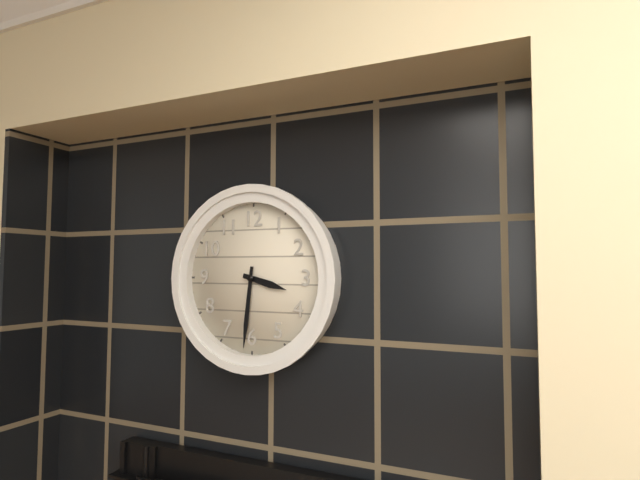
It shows 3,31
